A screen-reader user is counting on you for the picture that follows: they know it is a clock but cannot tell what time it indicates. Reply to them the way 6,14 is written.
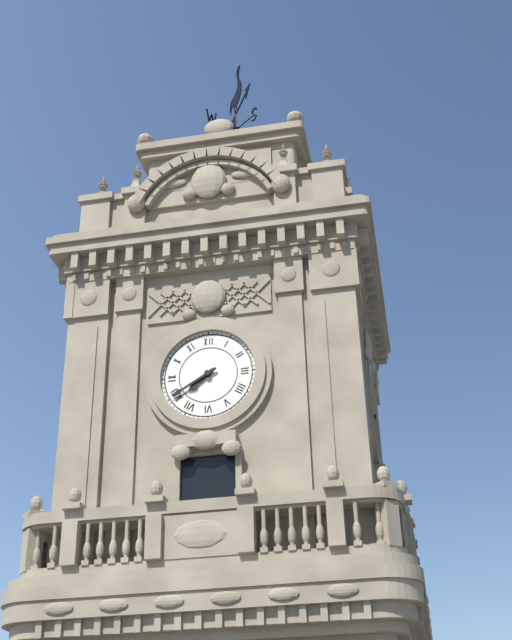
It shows 7,40
